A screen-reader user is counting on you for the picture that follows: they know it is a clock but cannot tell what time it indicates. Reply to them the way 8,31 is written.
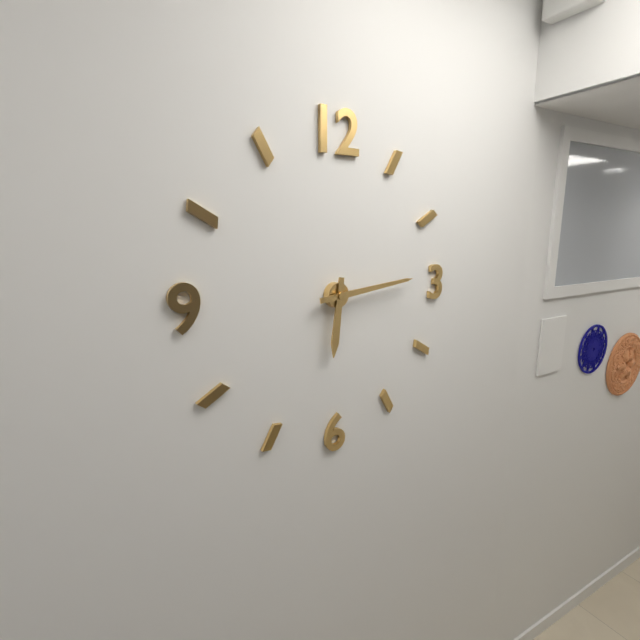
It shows 6,14
